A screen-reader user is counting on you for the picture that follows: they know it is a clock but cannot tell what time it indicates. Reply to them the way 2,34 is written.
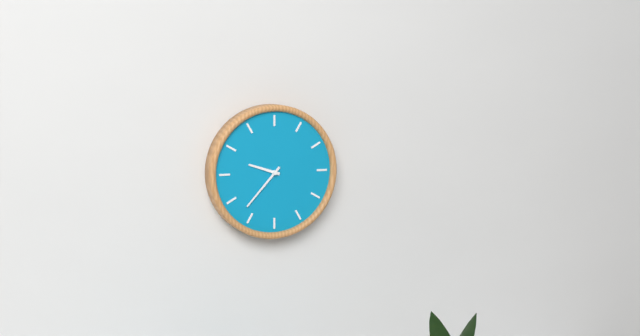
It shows 9,37
